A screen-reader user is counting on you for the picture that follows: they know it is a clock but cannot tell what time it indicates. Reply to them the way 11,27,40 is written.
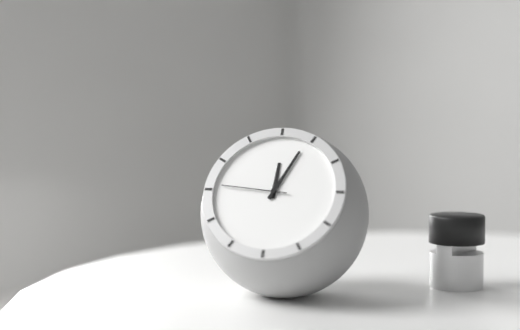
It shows 12,04,46
